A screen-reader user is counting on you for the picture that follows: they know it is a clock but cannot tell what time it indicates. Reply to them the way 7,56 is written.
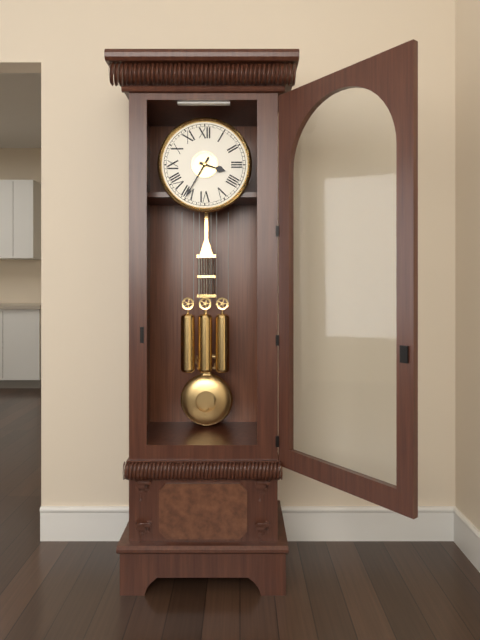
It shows 3,35
